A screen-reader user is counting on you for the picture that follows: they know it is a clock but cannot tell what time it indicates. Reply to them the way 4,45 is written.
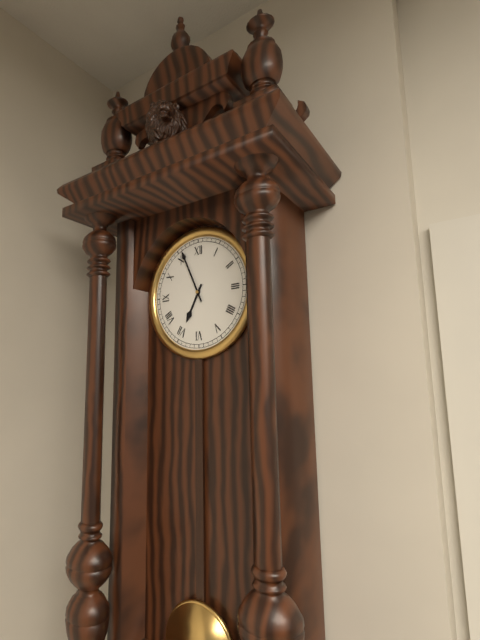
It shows 6,56
